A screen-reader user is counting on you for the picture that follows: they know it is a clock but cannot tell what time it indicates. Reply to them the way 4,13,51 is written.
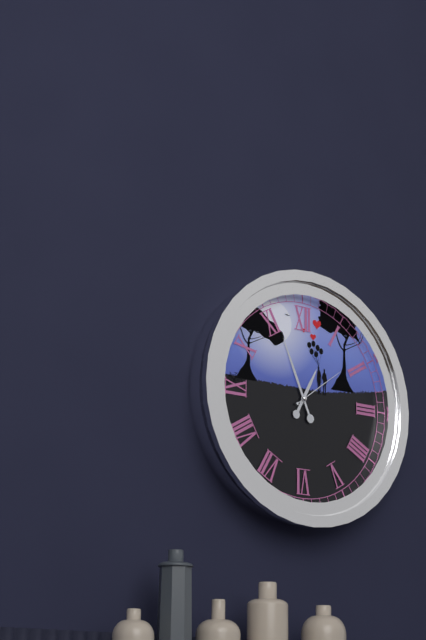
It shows 12,56,09
